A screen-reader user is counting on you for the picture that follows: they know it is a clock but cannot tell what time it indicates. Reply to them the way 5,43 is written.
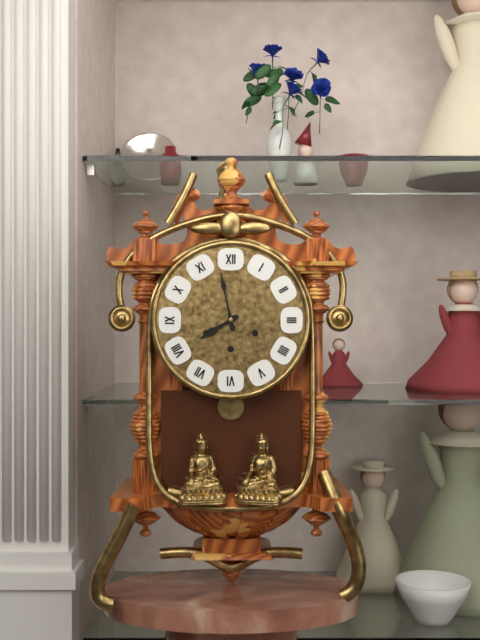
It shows 7,58
